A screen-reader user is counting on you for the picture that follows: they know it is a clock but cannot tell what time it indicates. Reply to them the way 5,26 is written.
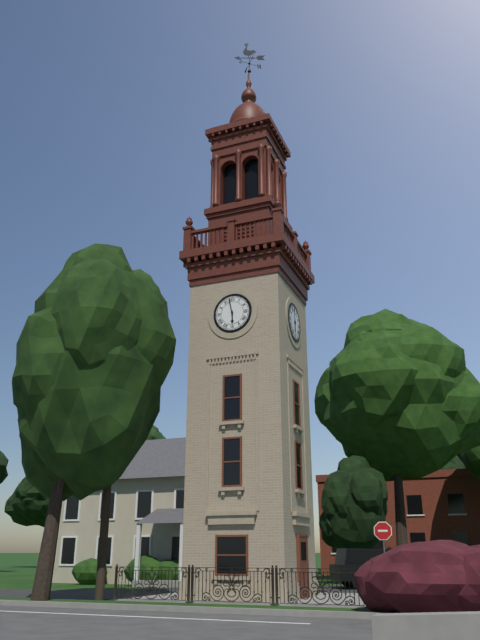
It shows 5,58
